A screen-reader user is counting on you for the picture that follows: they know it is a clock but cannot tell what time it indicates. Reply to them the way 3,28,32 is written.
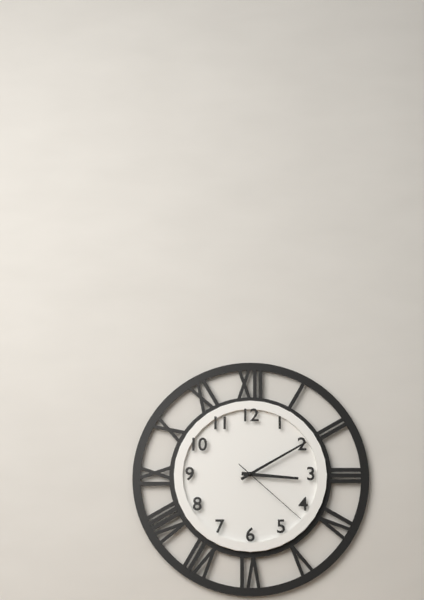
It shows 3,10,22
